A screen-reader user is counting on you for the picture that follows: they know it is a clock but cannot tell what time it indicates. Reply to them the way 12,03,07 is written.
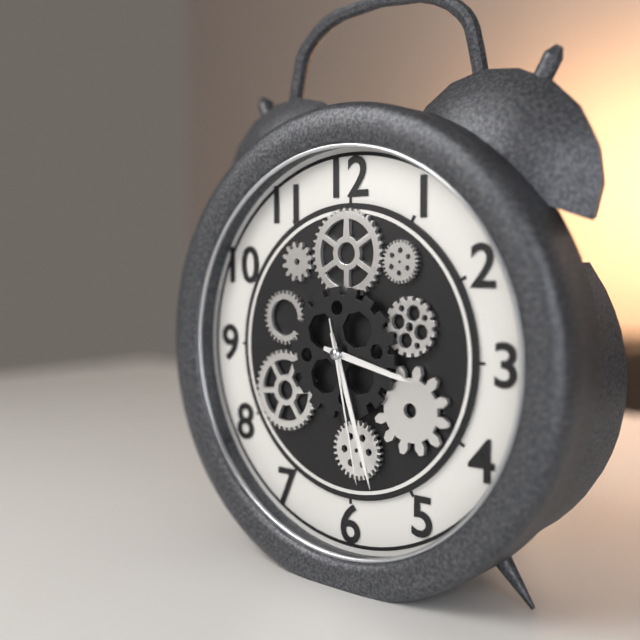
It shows 3,27,28
